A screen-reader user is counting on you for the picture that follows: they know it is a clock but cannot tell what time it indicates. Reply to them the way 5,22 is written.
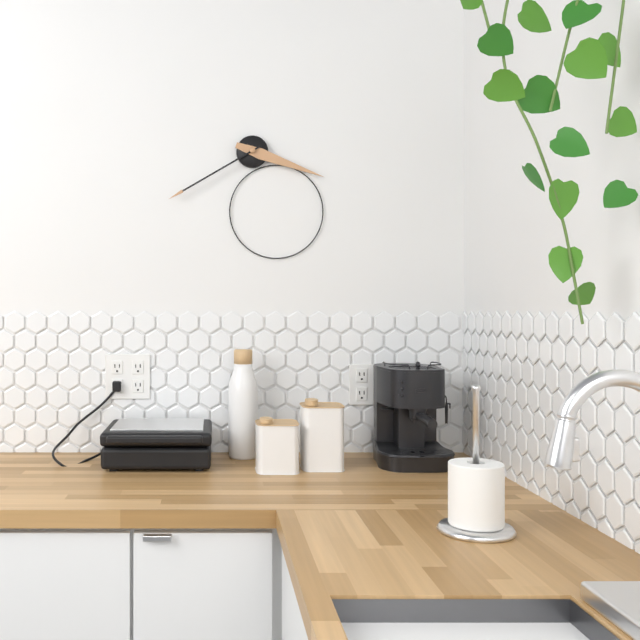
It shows 3,40
